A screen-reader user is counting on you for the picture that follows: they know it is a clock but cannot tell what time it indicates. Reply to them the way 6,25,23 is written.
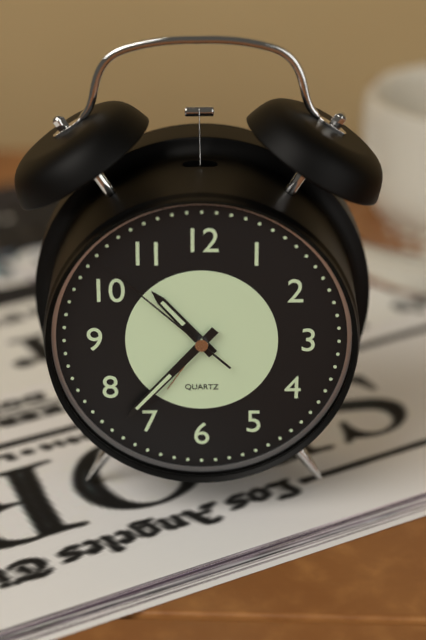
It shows 10,37,52
